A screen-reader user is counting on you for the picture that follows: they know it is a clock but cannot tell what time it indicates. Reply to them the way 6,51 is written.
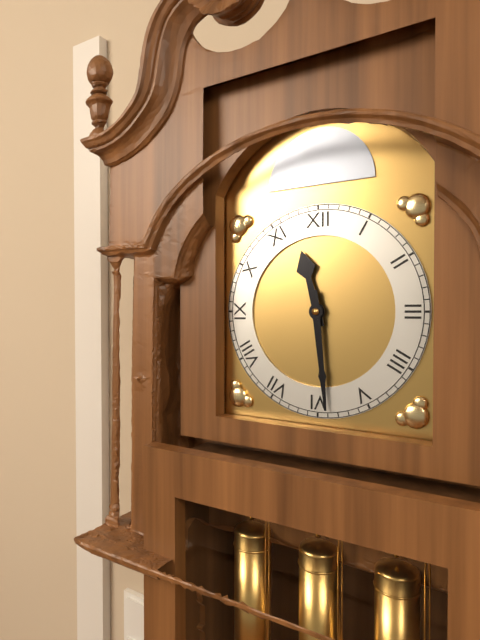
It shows 11,29
